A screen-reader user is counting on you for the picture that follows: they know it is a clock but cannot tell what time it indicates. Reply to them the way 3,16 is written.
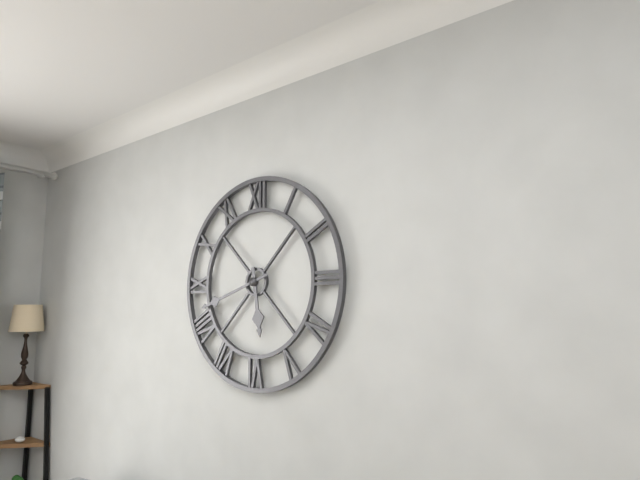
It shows 5,42
